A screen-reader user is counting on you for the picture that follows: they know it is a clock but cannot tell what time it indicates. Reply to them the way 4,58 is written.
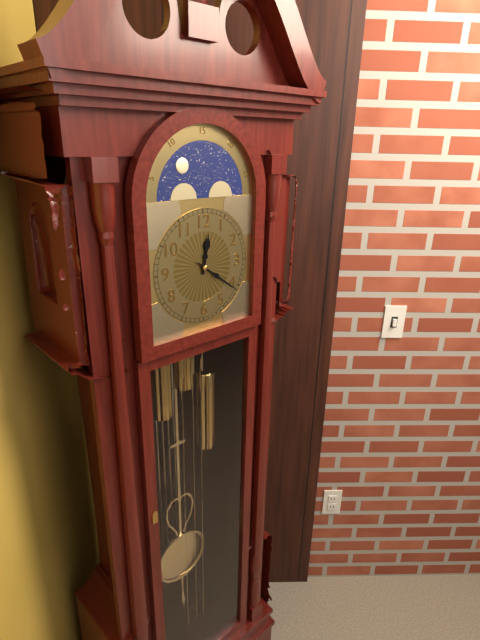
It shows 12,21
